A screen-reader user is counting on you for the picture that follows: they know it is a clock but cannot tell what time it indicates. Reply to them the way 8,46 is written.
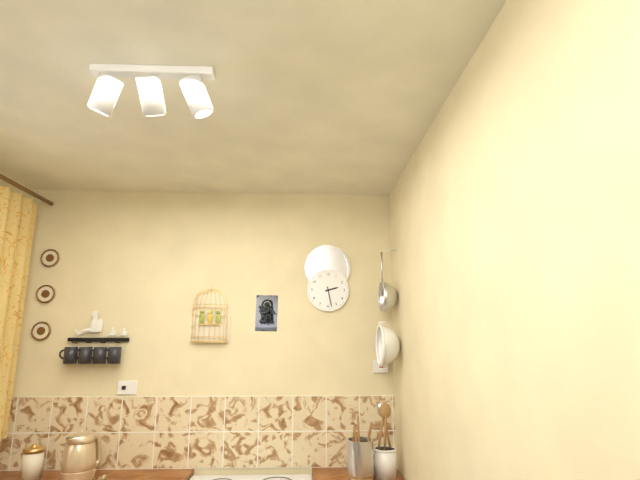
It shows 2,28
